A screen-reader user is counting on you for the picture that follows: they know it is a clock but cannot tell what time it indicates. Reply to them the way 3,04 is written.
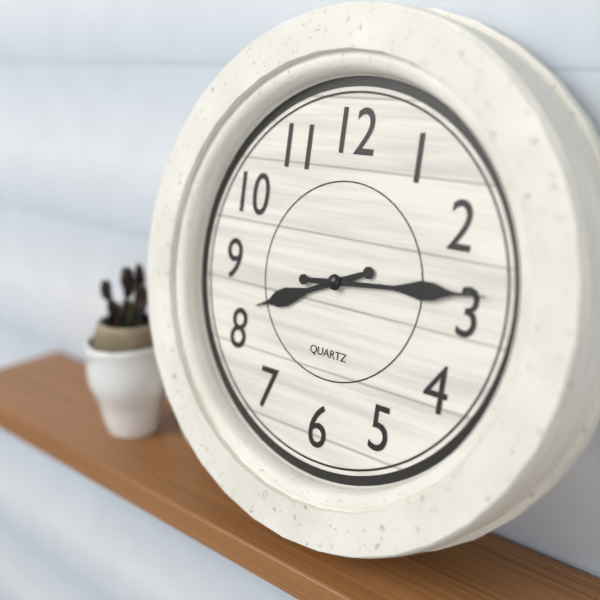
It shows 8,14
